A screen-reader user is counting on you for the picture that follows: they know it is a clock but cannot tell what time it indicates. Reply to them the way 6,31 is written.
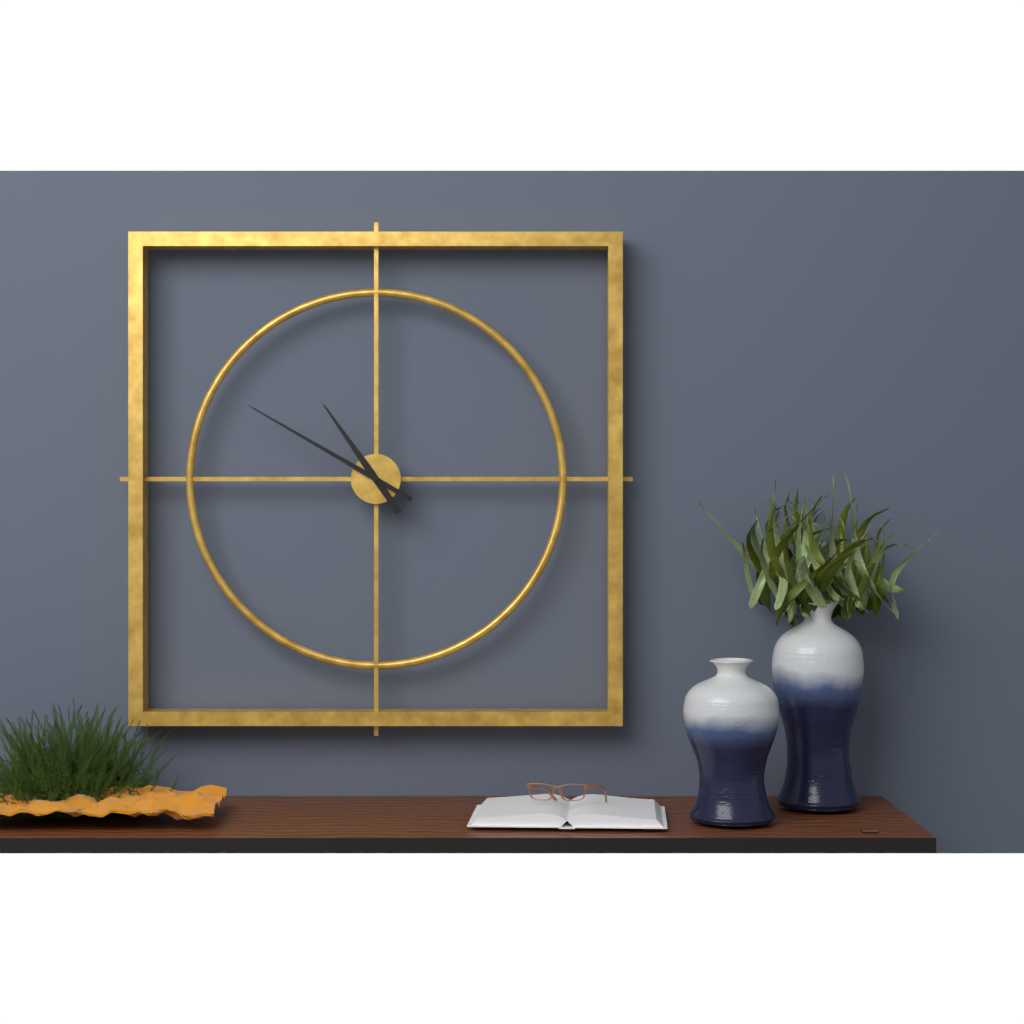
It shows 10,50
